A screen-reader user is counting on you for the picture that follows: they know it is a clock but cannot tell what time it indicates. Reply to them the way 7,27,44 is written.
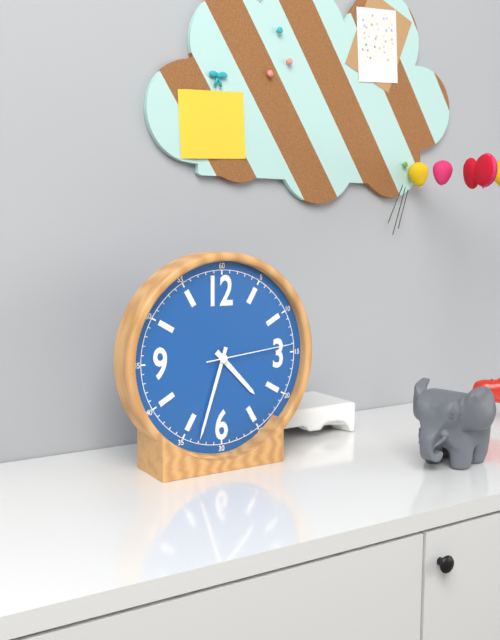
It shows 4,33,14
